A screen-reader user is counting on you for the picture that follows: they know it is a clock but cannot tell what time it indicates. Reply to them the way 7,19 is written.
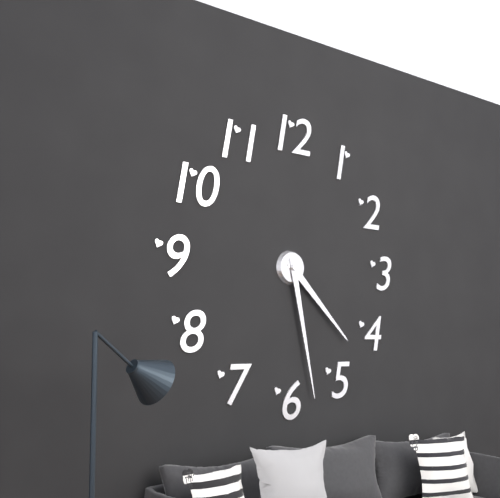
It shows 4,28
